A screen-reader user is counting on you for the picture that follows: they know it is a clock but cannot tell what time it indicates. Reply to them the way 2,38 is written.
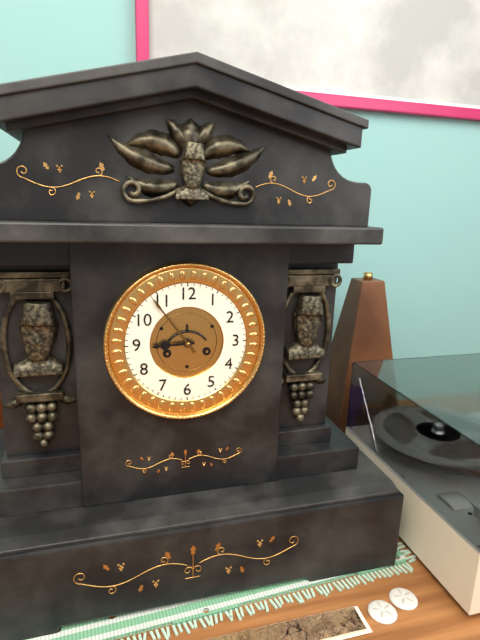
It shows 8,54
